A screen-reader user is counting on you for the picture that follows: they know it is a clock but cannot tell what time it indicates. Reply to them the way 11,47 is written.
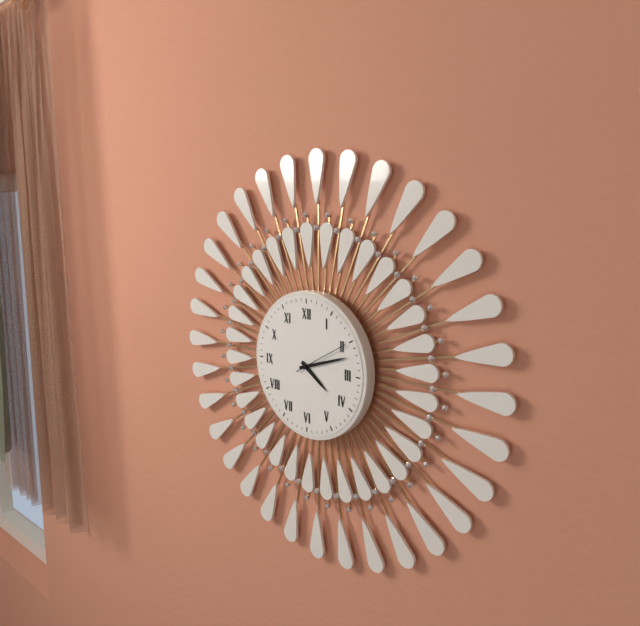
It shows 4,12
